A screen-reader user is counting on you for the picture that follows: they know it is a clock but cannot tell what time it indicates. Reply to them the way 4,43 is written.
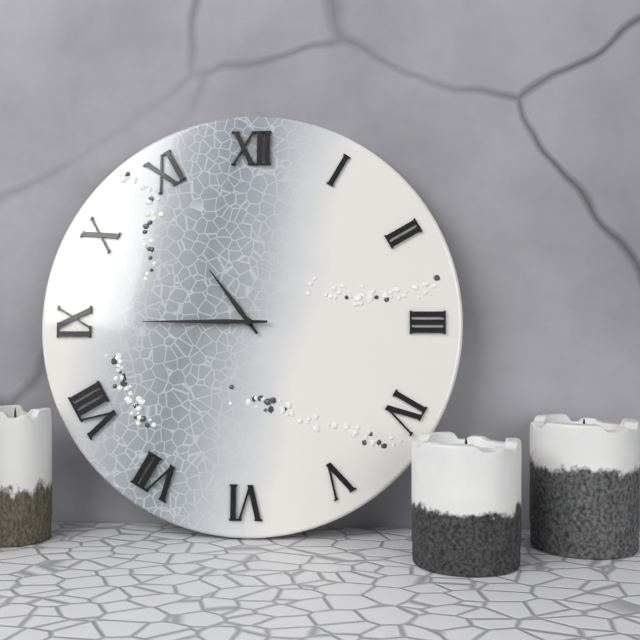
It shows 10,45
